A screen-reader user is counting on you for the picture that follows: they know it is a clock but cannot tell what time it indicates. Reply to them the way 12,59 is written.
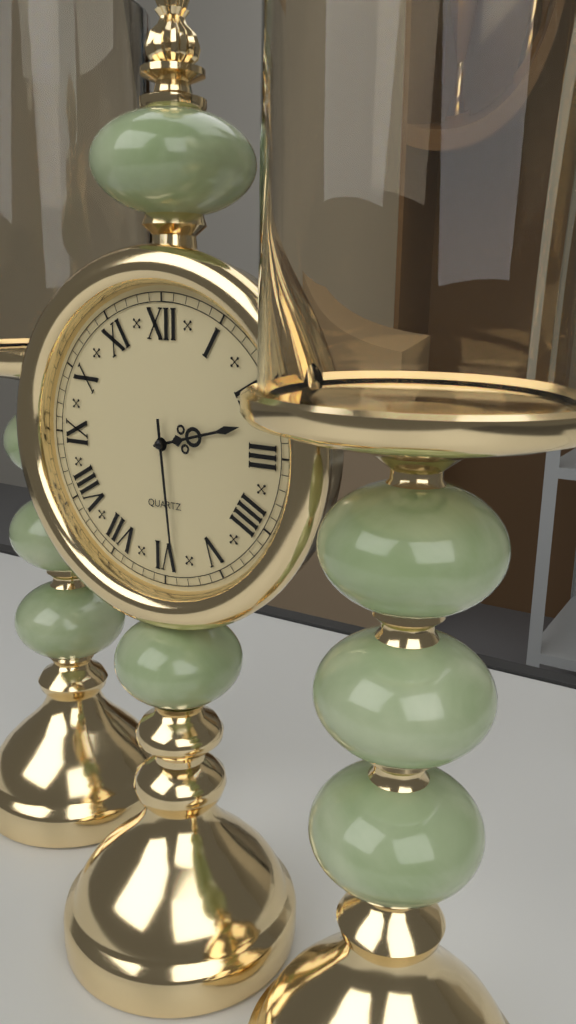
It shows 2,29
